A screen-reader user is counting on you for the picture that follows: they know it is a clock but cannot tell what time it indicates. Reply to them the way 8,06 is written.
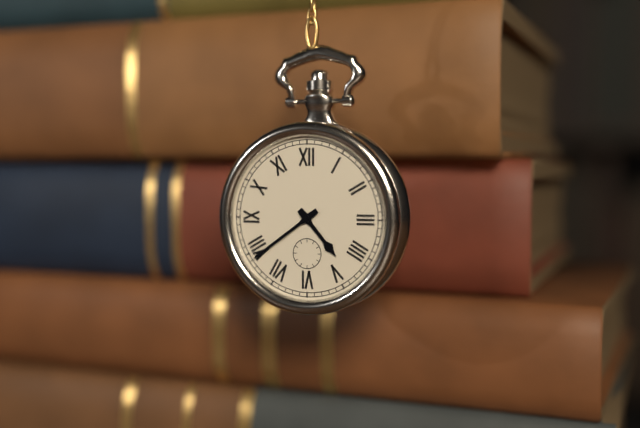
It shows 4,39
